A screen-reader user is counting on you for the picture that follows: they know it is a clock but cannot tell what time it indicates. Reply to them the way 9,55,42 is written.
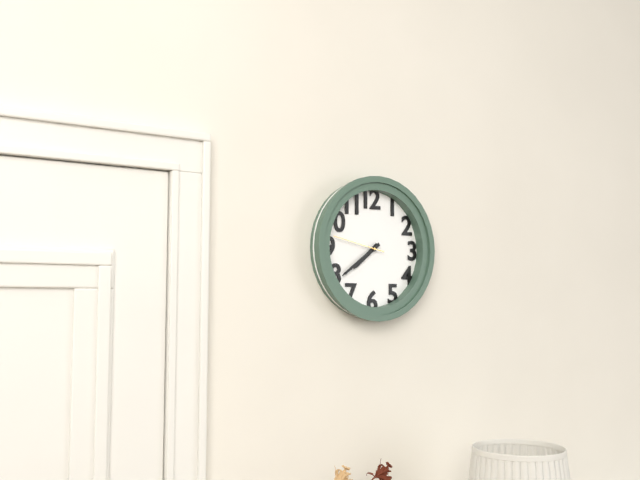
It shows 7,39,47
